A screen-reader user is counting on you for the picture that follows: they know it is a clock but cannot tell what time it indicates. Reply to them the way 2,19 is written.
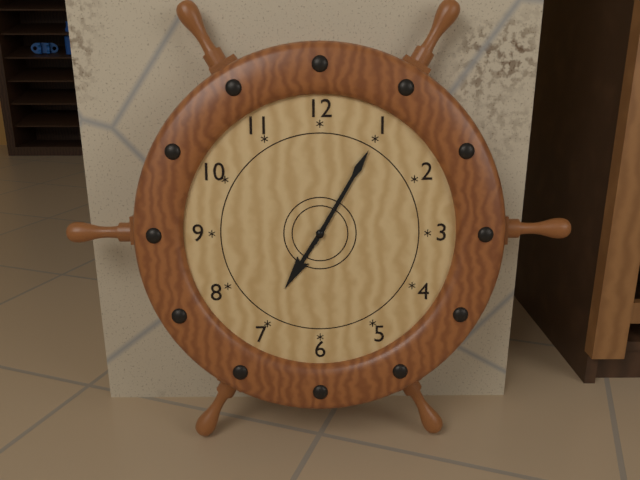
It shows 7,05
